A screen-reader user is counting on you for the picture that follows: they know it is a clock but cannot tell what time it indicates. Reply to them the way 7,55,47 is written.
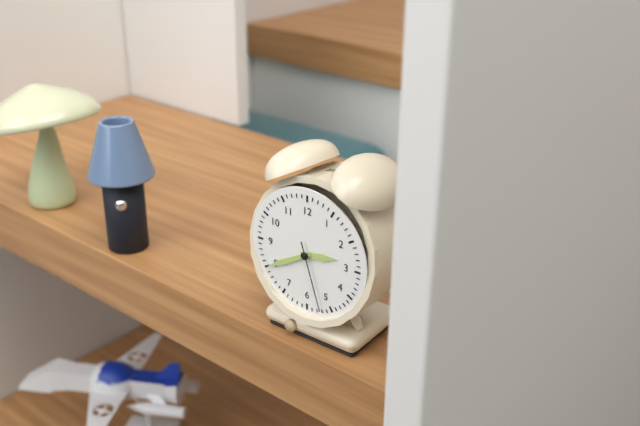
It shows 2,40,27
